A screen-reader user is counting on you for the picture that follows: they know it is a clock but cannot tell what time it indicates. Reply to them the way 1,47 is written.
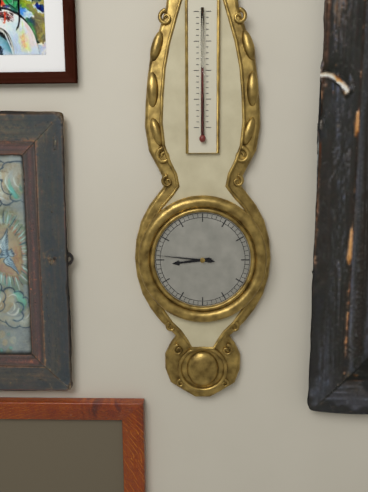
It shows 8,46
